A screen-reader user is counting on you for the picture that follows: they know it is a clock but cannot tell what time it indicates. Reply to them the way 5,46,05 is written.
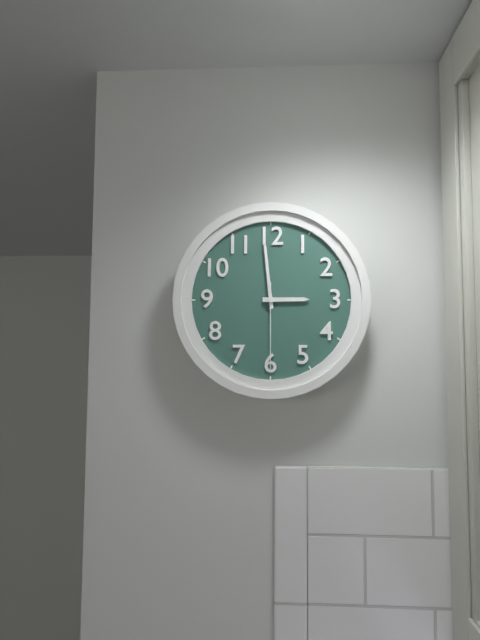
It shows 2,59,30
